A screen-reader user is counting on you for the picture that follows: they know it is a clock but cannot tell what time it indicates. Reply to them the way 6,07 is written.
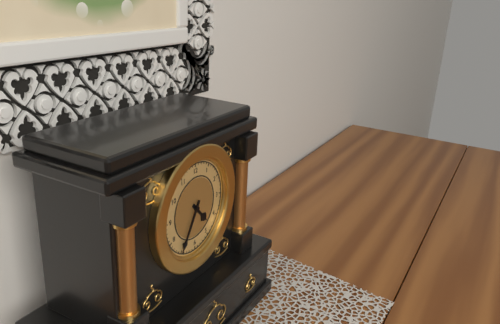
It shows 4,35
